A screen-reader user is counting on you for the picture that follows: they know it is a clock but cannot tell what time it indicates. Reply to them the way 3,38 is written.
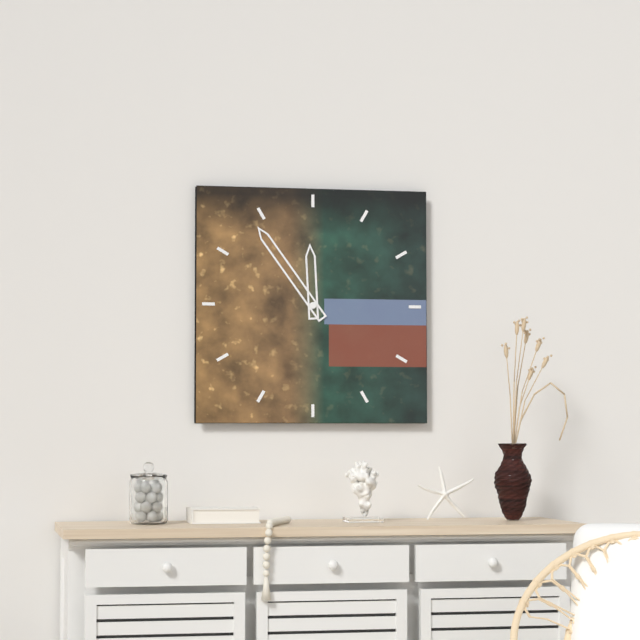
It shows 11,54
